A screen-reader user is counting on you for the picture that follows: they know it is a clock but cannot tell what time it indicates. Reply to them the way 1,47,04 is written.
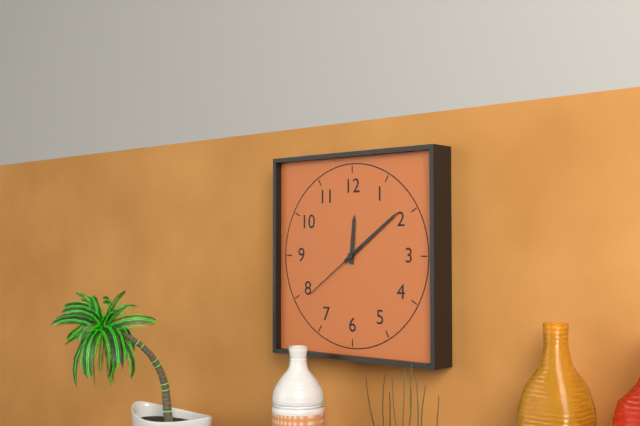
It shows 12,09,39
